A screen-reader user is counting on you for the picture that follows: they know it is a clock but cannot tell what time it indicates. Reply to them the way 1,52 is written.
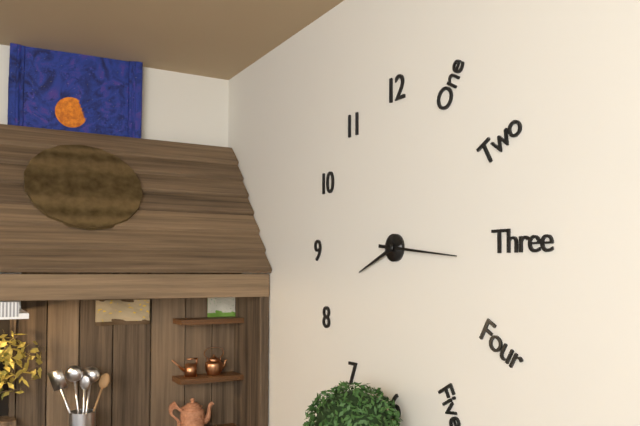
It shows 8,16
